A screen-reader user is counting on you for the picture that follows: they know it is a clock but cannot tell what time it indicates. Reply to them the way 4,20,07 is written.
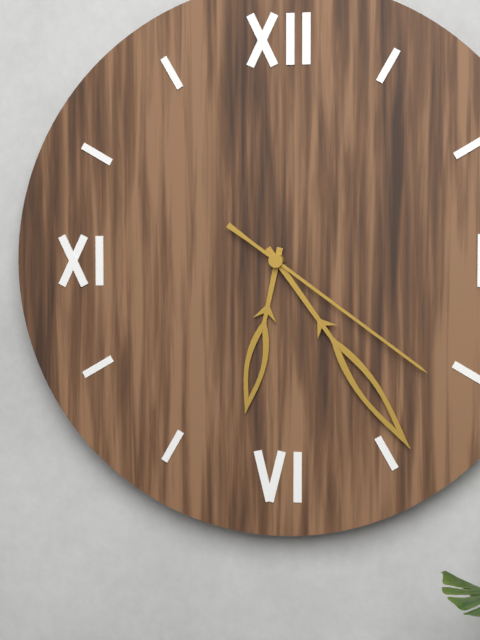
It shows 6,24,21
